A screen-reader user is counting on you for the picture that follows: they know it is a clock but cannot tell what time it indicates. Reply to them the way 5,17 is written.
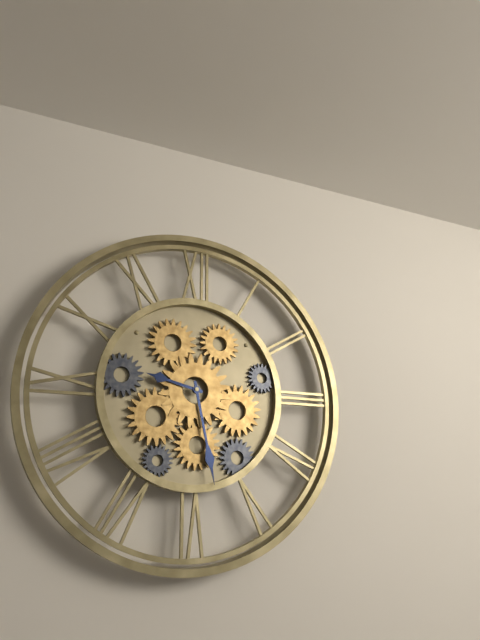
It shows 9,28
